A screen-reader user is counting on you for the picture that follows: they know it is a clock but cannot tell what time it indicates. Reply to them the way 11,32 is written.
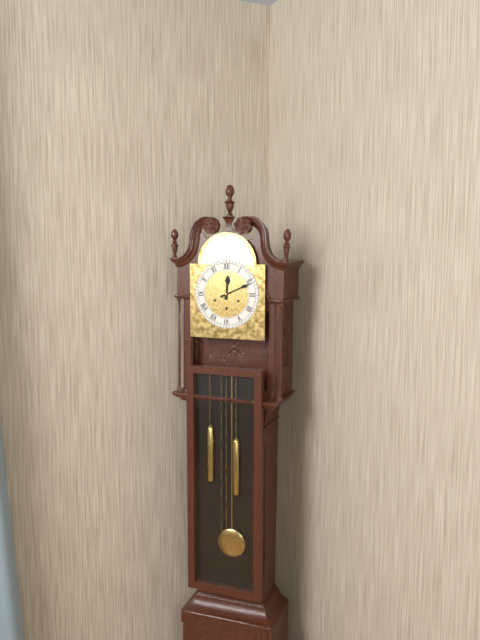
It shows 12,11
